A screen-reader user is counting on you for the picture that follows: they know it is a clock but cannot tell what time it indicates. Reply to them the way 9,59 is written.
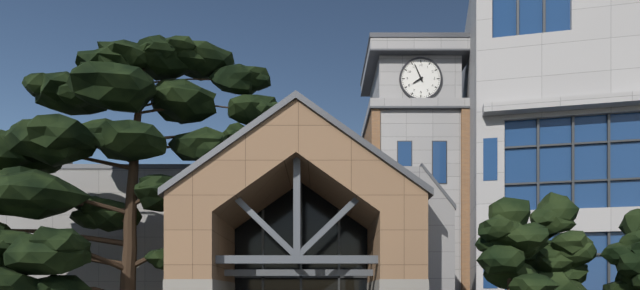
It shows 7,56
